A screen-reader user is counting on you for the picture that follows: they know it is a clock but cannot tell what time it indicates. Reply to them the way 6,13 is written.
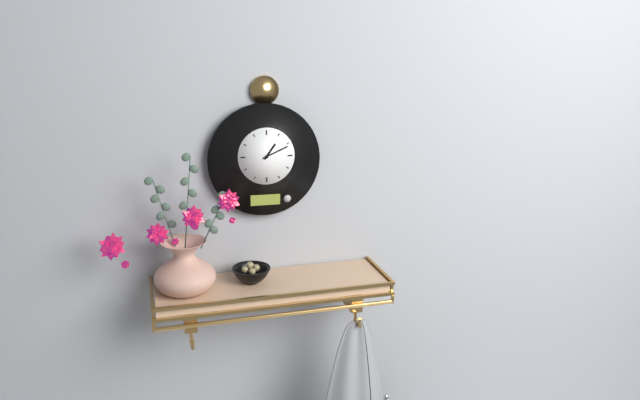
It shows 1,11
